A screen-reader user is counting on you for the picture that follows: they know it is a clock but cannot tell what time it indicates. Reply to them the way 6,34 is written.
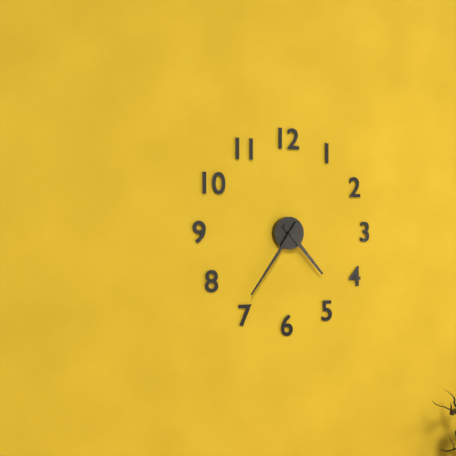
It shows 4,36
